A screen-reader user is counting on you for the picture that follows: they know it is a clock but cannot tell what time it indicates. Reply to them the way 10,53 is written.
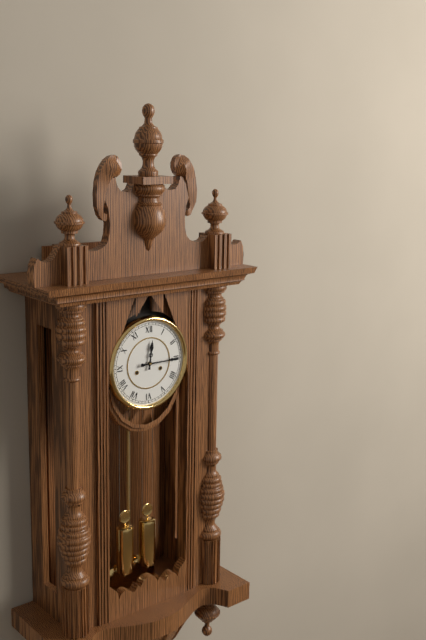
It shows 12,15
